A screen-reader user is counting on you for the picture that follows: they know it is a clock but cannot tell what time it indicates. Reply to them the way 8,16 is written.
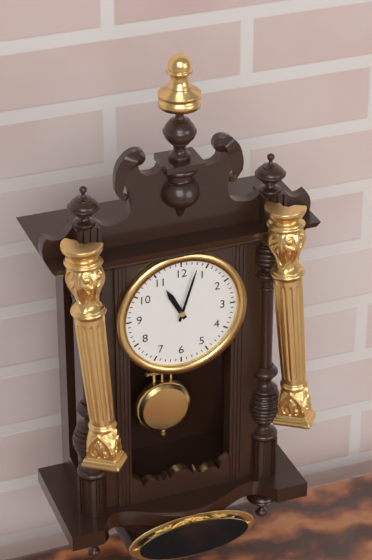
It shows 11,03
